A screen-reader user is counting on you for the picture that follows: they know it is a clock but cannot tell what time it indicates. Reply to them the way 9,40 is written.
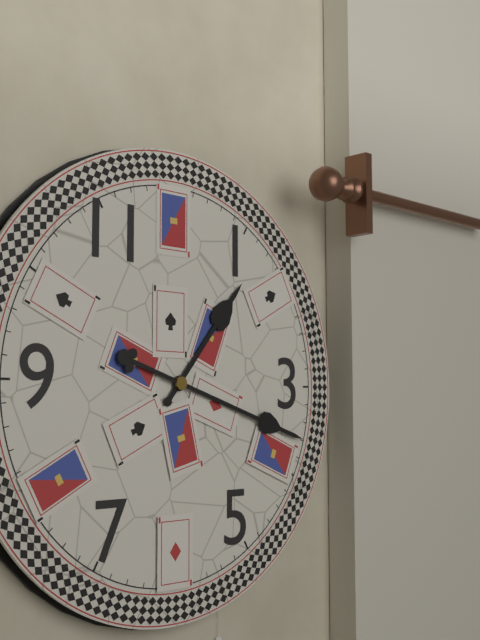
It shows 1,18
